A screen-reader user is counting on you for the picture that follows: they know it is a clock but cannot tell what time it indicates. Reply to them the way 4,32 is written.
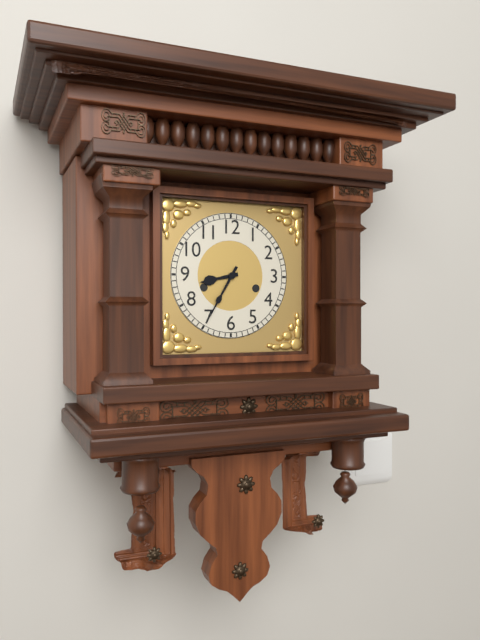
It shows 8,35
